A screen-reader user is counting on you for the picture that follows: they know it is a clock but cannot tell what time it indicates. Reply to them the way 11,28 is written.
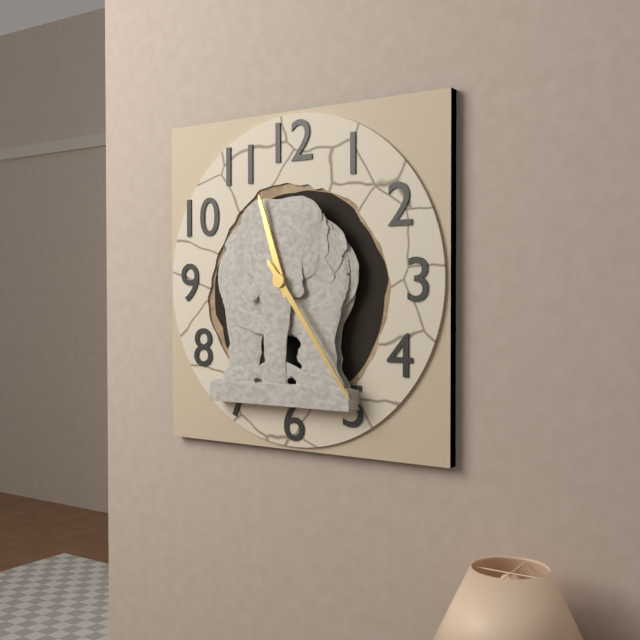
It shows 11,24
